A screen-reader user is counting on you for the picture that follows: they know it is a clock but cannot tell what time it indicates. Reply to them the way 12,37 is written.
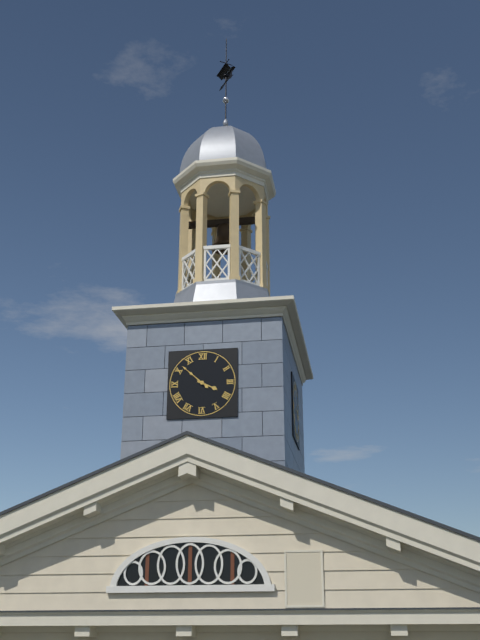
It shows 3,52
